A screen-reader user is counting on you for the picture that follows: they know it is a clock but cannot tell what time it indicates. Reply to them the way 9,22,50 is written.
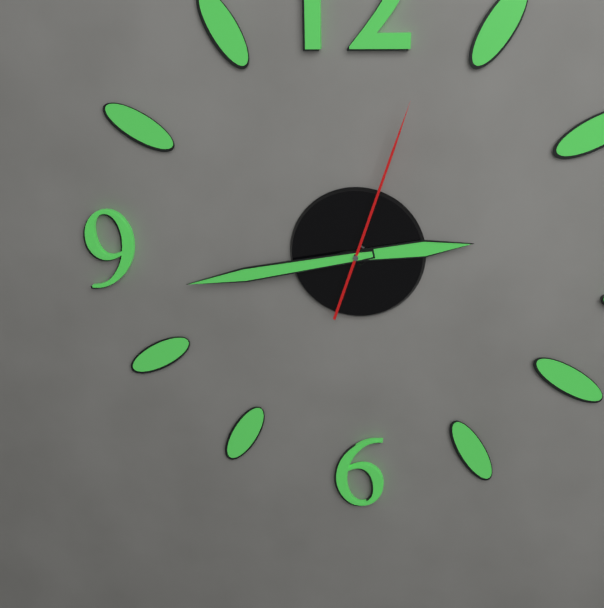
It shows 2,43,03
